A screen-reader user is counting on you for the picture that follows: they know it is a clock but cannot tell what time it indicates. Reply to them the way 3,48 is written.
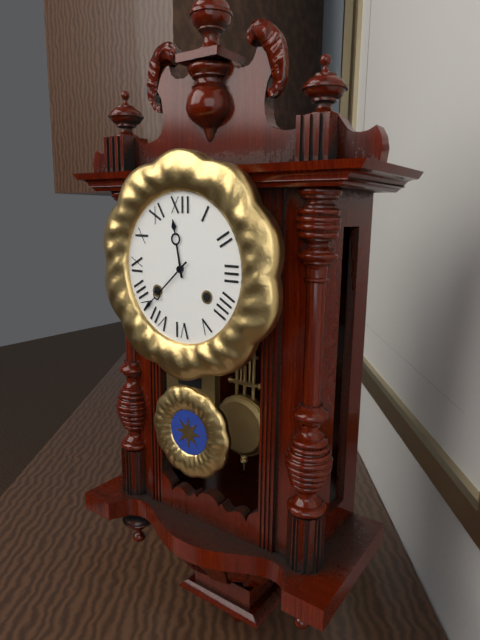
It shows 11,38
